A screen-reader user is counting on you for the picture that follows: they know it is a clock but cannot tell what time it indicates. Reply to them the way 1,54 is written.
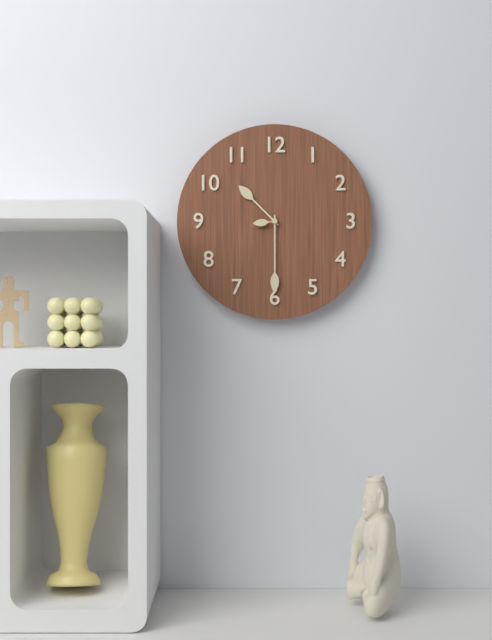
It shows 10,30
